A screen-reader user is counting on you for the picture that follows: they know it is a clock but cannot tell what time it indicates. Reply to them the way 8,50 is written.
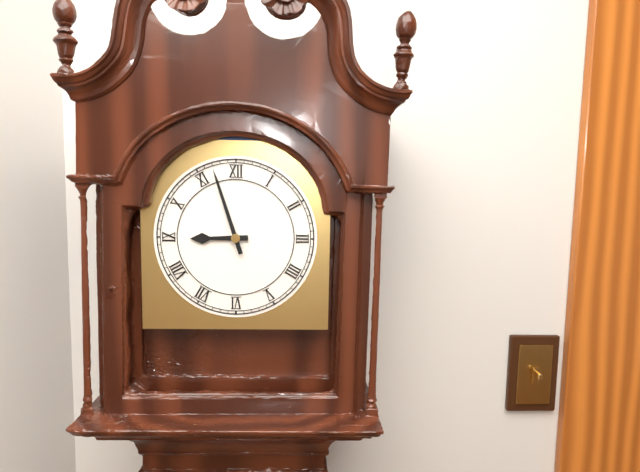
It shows 8,57
